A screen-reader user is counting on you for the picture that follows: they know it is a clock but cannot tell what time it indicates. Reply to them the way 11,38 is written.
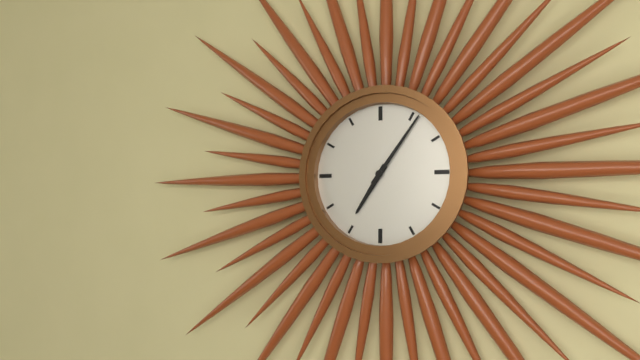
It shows 7,06
